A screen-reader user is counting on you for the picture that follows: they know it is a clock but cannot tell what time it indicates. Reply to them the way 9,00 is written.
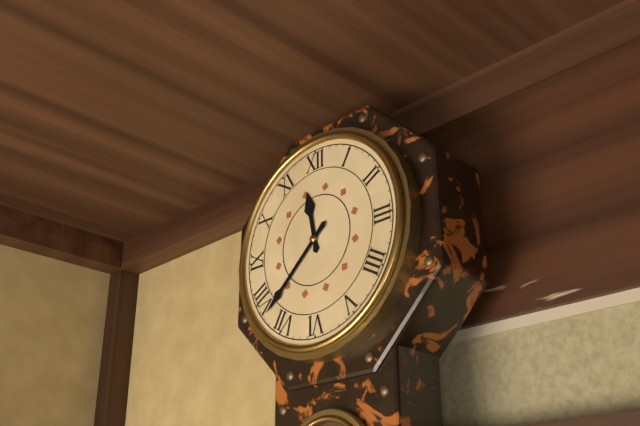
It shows 11,38
